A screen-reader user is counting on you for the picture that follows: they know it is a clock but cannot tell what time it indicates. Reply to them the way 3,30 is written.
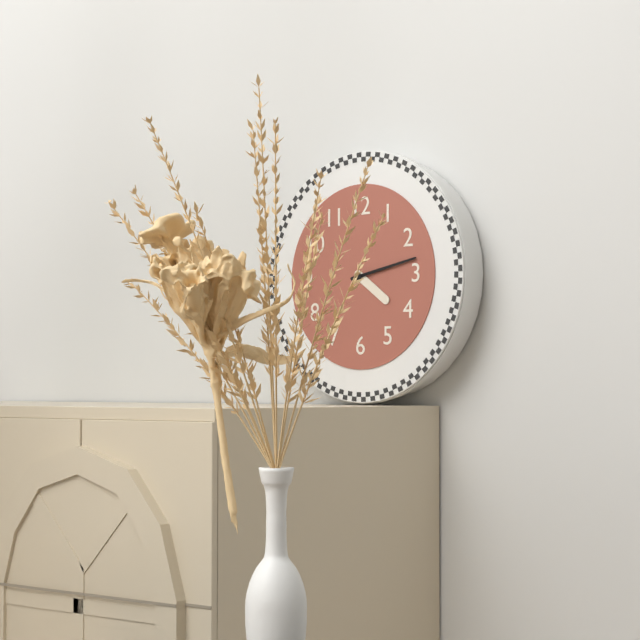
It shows 4,13
